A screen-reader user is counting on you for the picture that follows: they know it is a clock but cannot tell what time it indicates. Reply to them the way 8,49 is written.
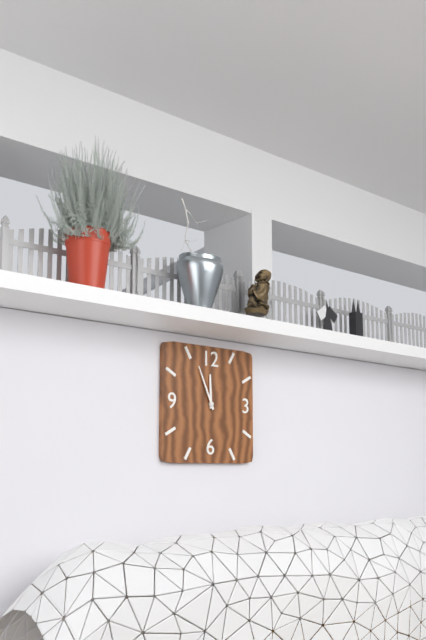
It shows 11,56
